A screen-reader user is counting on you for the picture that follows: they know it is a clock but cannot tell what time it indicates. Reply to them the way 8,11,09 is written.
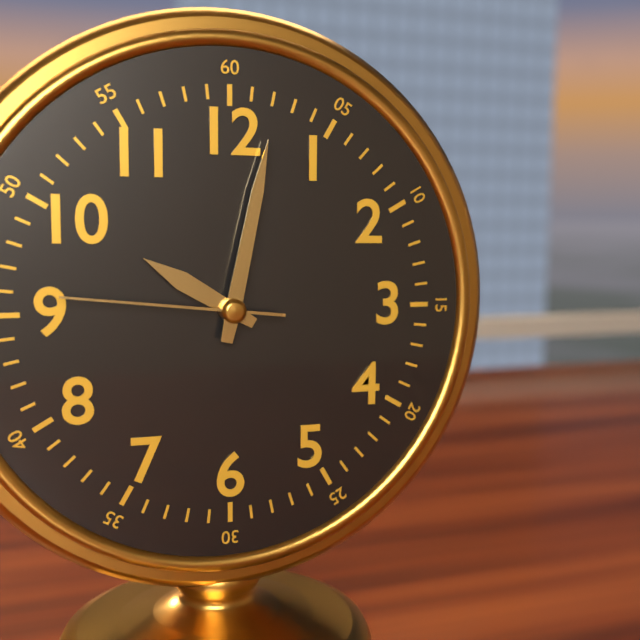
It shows 10,02,46
